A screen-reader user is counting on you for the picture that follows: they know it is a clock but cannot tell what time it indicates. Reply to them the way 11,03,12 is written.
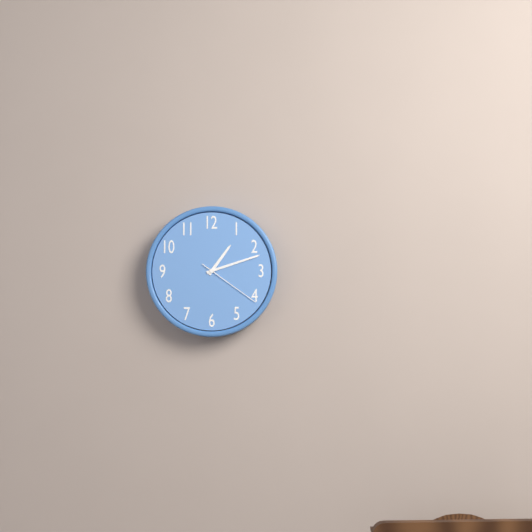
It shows 1,12,21
